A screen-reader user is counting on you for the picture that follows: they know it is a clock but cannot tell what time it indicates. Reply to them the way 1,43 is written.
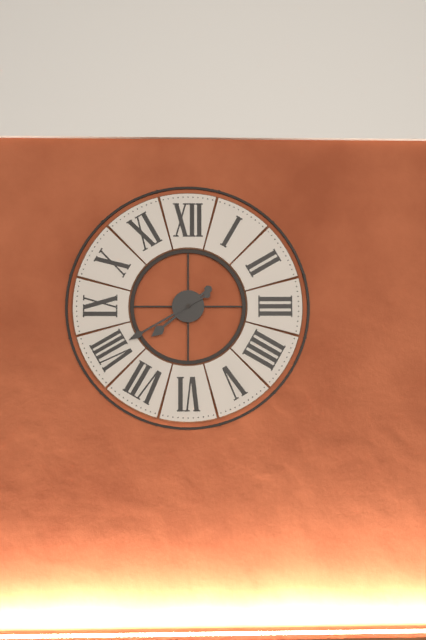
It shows 7,40
